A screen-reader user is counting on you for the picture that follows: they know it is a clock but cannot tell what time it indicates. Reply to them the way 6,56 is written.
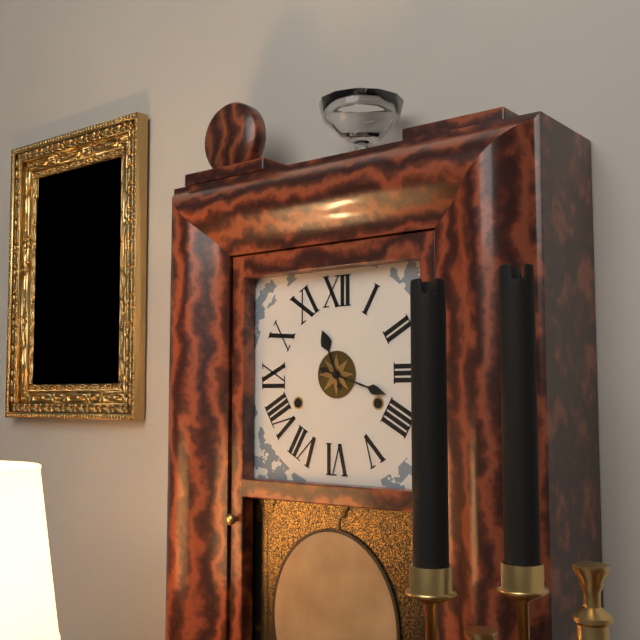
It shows 11,18
